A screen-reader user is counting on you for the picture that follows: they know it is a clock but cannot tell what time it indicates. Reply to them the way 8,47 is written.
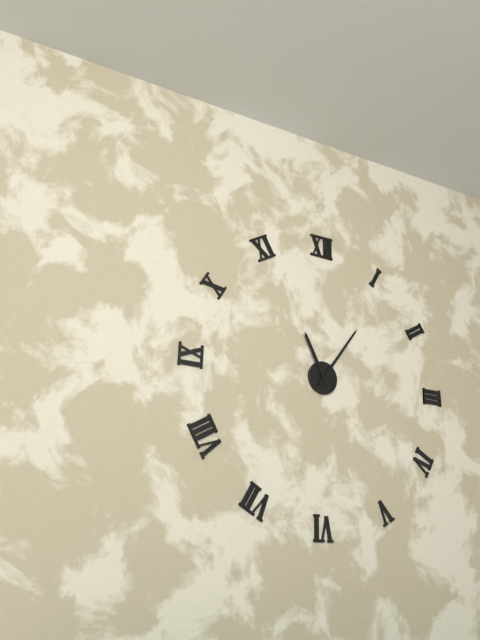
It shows 11,06
